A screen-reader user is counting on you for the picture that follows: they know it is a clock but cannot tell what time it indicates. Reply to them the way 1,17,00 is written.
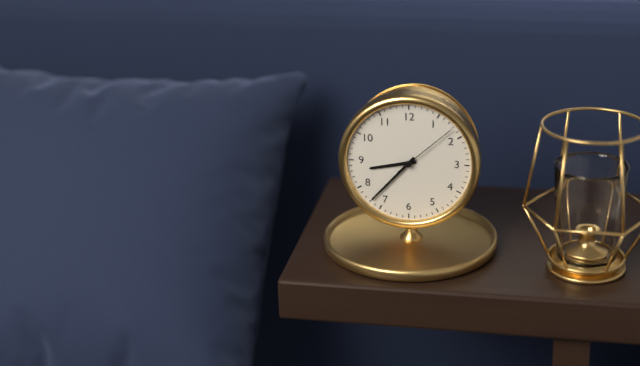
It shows 8,37,08
